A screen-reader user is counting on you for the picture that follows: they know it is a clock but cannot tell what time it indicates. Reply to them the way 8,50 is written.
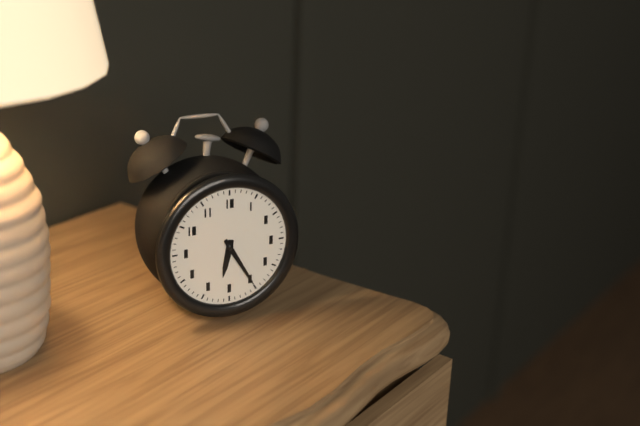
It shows 6,25
